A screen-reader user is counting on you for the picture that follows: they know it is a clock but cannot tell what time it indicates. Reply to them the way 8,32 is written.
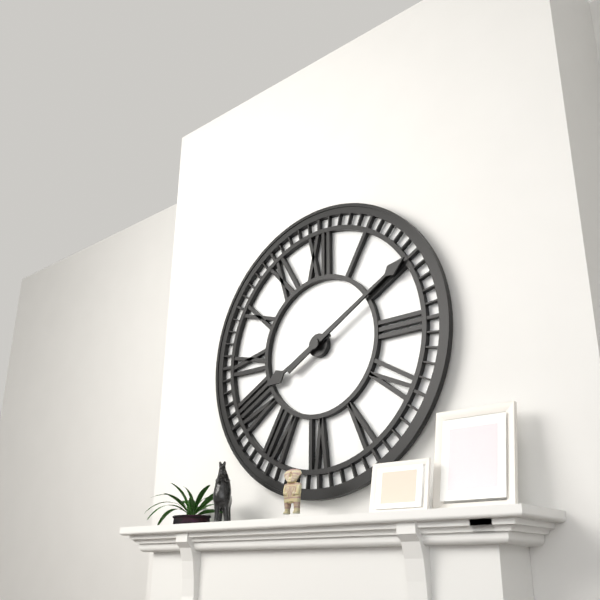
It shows 8,10
